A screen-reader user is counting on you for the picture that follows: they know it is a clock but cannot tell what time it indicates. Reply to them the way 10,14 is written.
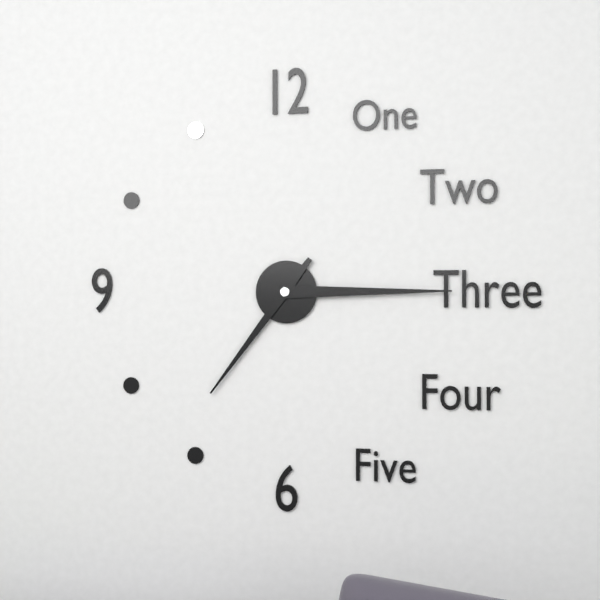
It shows 7,15
